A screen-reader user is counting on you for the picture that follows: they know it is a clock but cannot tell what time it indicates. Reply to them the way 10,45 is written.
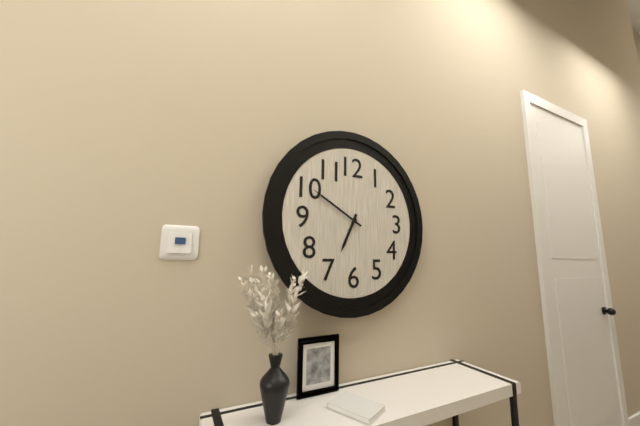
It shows 6,50
